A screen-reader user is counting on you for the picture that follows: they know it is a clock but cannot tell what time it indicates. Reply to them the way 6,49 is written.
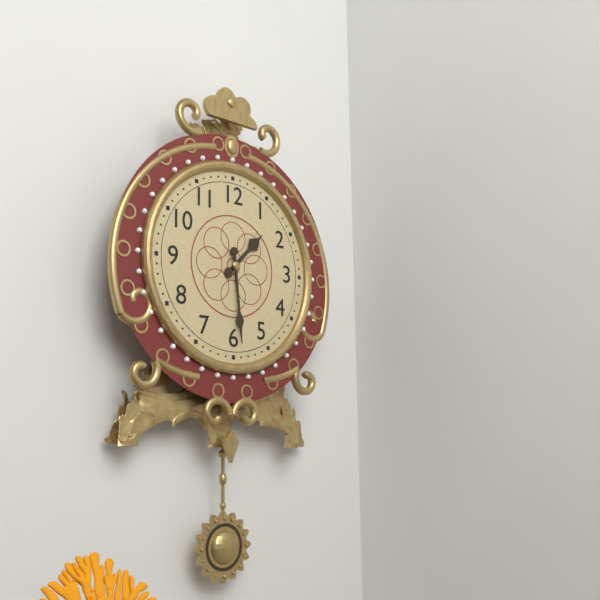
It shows 1,29
